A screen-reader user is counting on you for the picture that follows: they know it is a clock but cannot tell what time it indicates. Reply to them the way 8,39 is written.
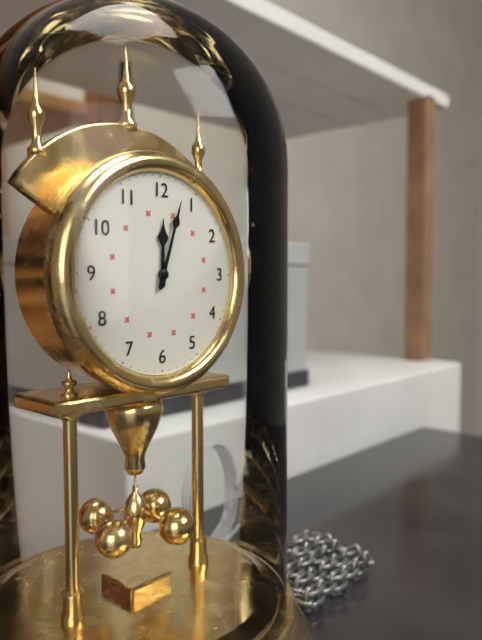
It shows 12,03
